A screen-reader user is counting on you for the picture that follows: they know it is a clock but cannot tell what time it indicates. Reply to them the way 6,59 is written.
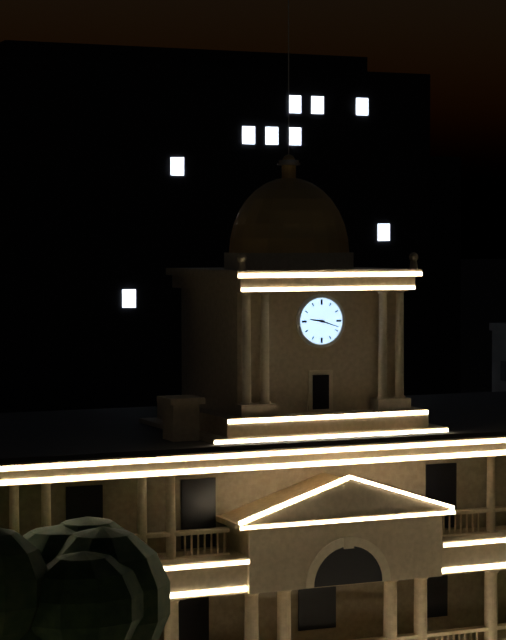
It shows 9,18
